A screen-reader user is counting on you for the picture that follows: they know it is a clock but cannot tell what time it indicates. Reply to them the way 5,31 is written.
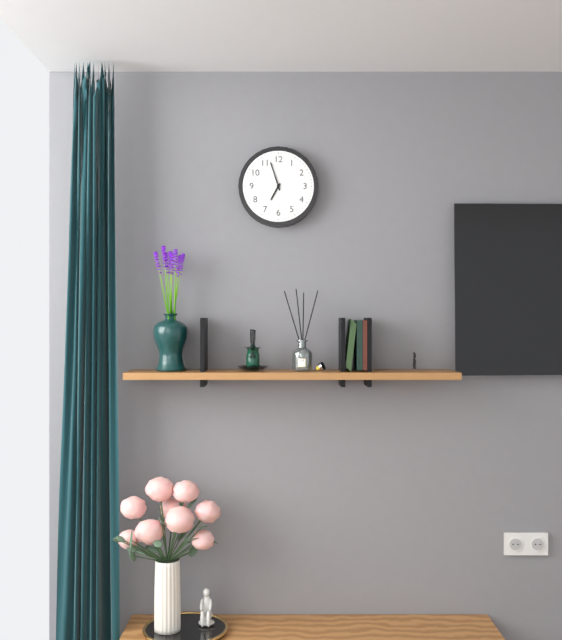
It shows 6,57
